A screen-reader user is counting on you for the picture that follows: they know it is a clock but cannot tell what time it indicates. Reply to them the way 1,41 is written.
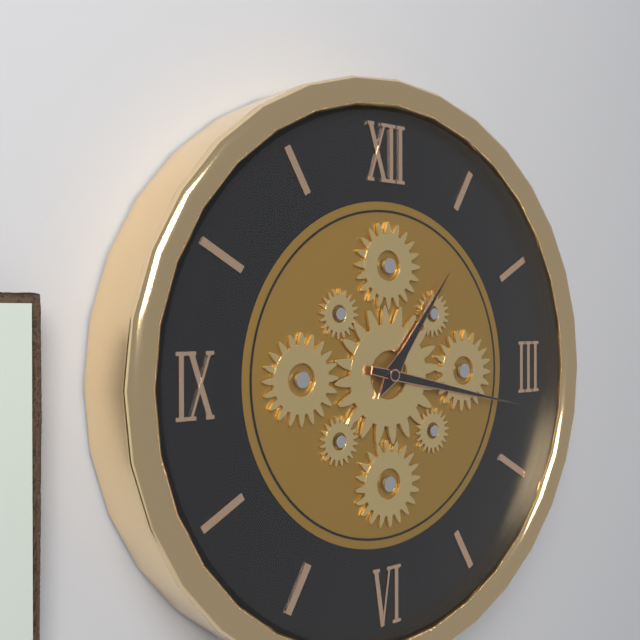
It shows 1,17
